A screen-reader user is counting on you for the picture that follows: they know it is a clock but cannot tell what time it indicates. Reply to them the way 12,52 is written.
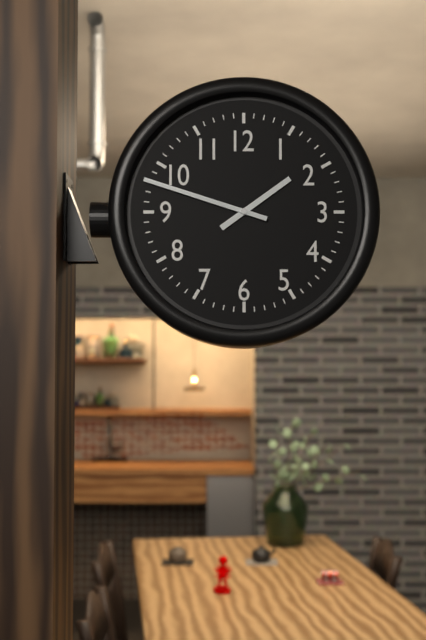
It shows 1,48
